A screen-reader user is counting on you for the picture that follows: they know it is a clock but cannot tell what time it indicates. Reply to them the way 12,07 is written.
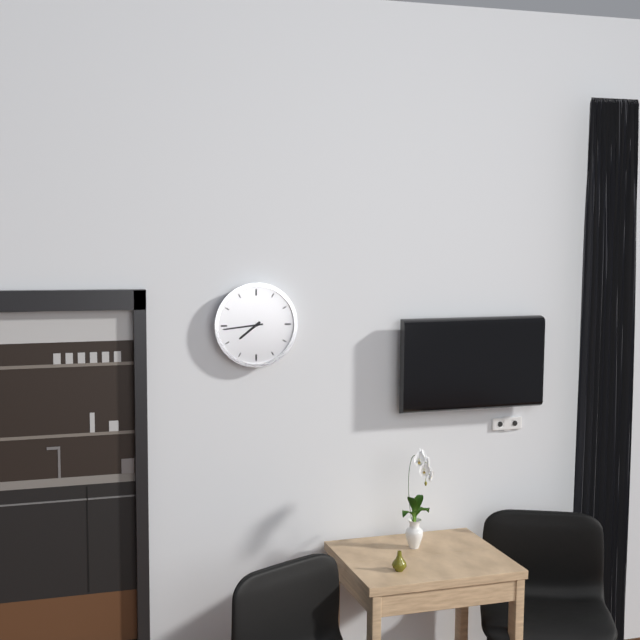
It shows 7,44
